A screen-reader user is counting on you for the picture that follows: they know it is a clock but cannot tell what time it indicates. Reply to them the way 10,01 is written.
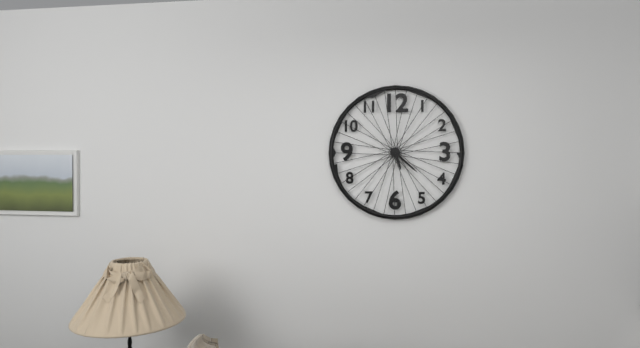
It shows 5,22
